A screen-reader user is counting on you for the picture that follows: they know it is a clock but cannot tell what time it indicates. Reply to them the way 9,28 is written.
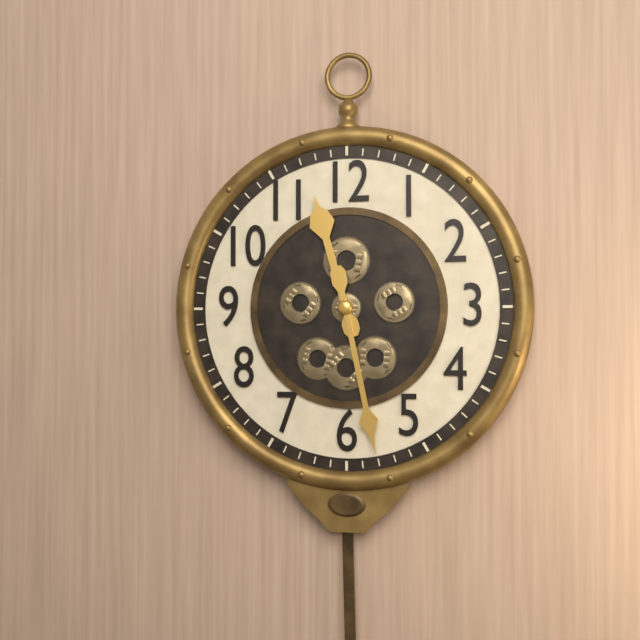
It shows 11,28
